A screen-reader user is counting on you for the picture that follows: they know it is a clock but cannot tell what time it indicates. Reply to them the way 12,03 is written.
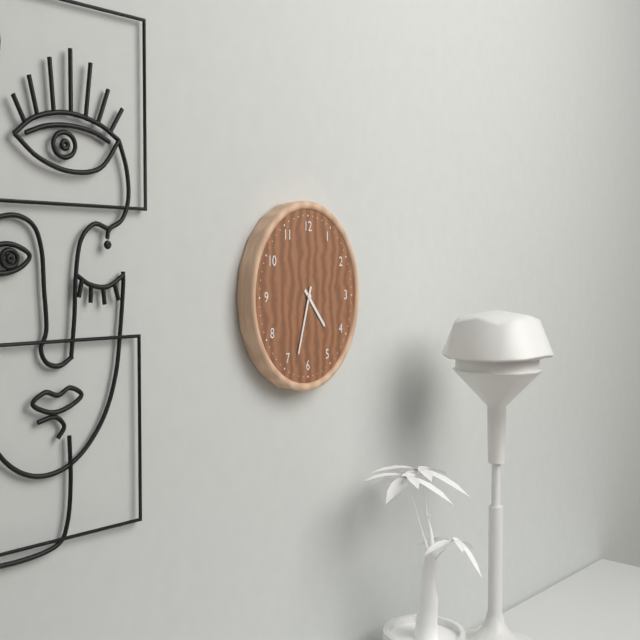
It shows 4,33
